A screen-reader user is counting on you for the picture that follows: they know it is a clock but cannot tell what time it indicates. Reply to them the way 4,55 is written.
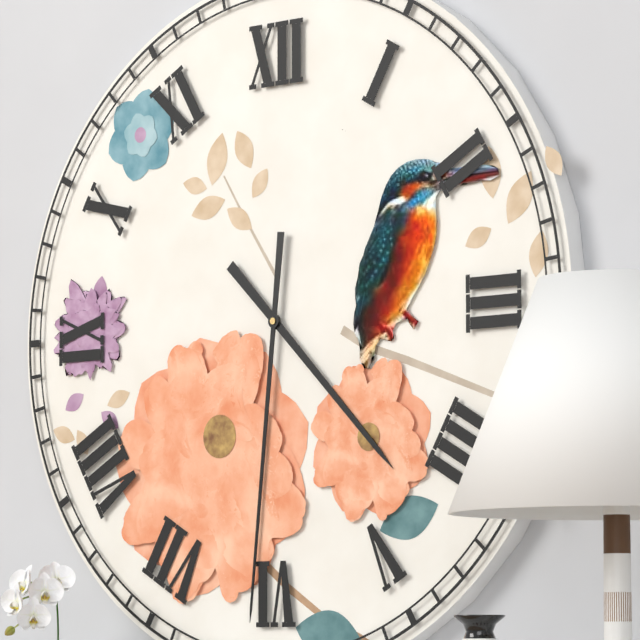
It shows 4,31
